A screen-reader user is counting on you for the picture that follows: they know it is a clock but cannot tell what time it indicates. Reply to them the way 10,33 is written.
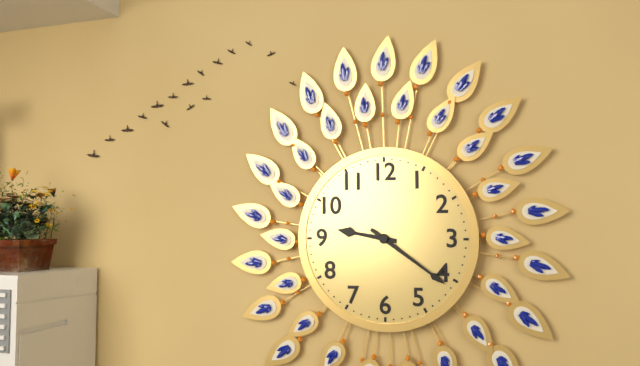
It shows 9,21
